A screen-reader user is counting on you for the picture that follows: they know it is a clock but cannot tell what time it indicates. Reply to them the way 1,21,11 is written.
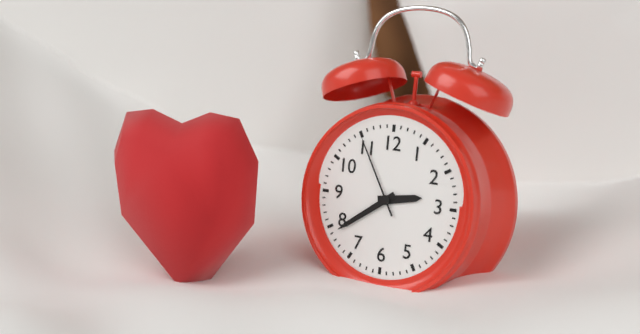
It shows 2,39,55
